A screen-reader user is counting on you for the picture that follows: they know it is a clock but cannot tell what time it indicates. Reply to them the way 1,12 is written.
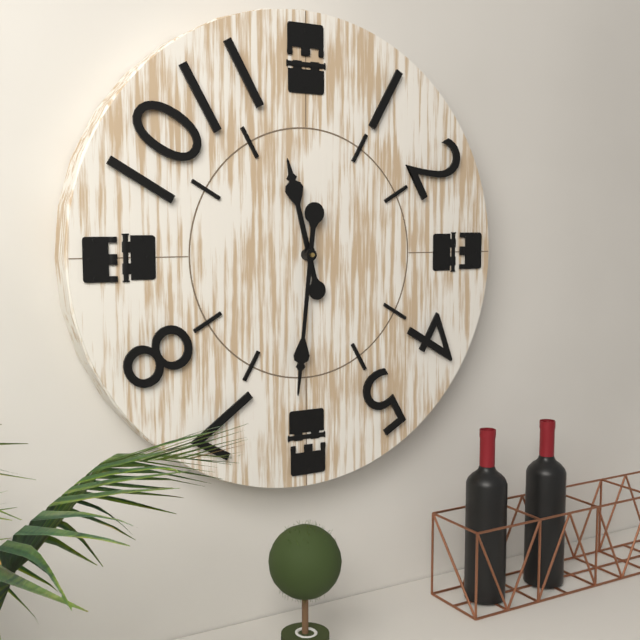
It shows 11,31
